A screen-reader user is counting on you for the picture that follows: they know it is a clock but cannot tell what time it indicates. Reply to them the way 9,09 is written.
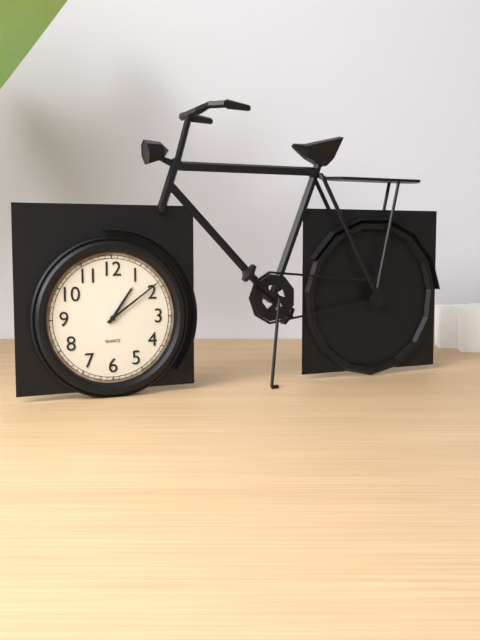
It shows 1,09
